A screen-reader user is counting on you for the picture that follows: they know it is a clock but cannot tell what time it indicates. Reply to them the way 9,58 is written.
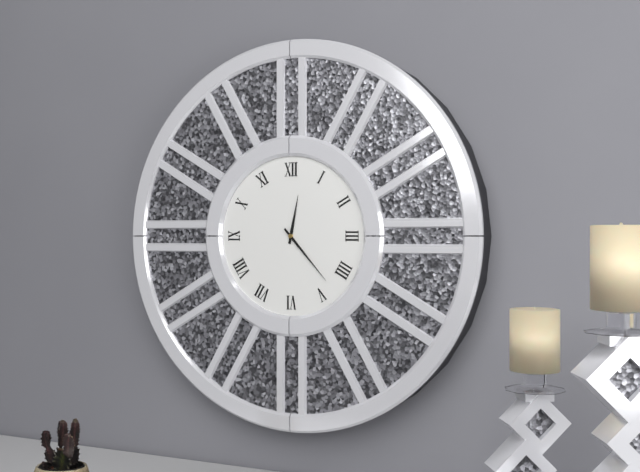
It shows 12,23
